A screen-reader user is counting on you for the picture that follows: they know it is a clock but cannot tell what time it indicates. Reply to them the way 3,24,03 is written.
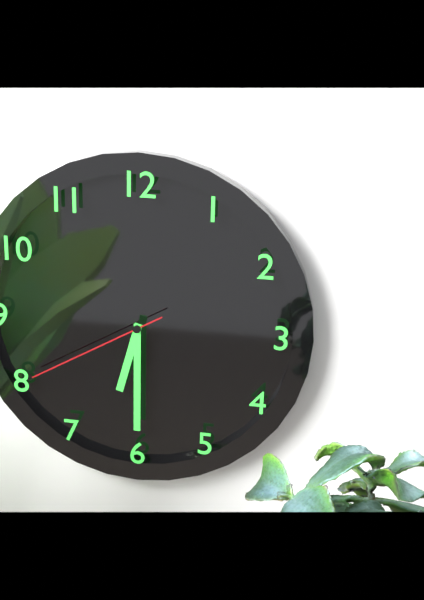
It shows 6,30,40
